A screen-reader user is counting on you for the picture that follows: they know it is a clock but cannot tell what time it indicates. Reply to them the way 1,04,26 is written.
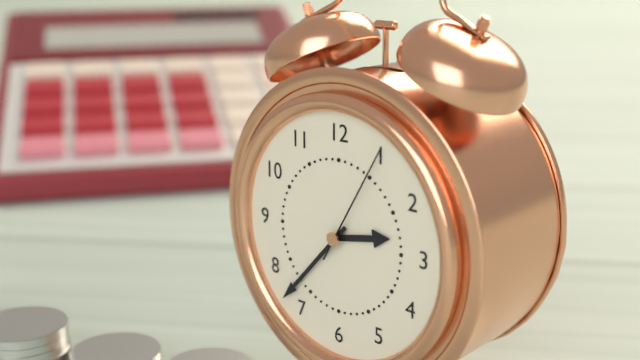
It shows 2,37,05
